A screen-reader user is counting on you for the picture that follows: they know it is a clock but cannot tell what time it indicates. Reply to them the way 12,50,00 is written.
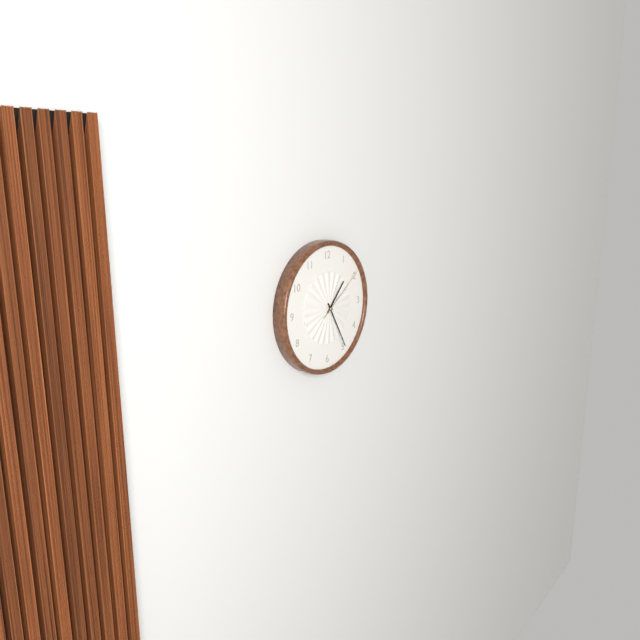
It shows 1,25,09
